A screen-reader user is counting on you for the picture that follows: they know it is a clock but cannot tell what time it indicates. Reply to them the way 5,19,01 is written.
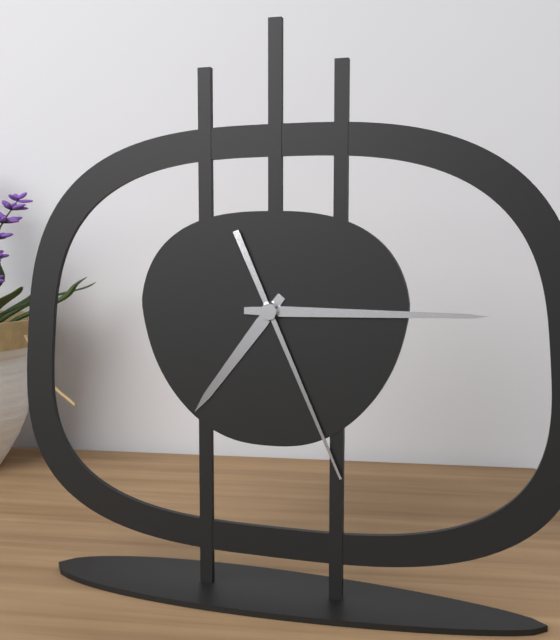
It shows 7,15,26
